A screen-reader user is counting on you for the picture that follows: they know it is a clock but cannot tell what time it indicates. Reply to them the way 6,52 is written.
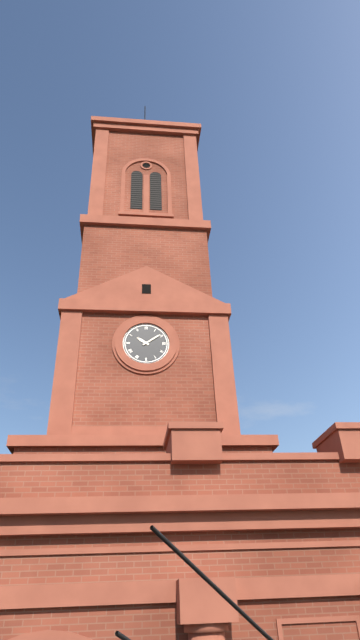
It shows 10,09
